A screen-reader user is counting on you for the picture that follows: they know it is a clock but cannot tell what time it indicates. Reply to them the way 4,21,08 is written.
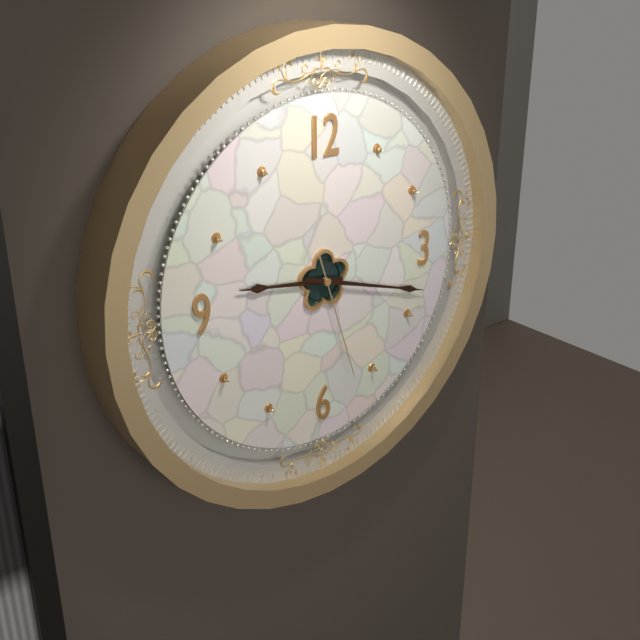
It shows 9,18,27
